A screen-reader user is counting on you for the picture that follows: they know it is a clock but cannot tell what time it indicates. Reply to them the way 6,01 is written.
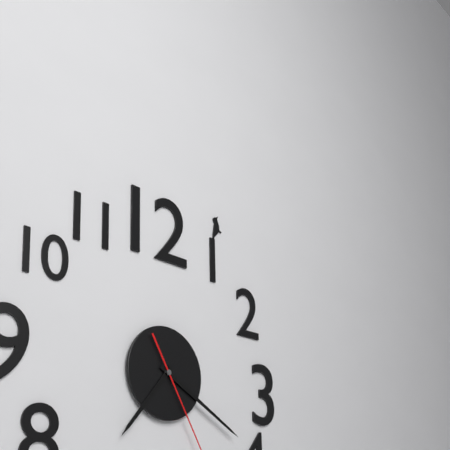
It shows 7,20
